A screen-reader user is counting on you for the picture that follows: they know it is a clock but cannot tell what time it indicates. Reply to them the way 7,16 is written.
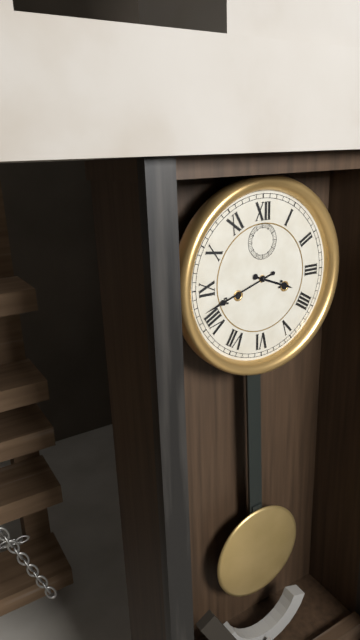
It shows 3,42
